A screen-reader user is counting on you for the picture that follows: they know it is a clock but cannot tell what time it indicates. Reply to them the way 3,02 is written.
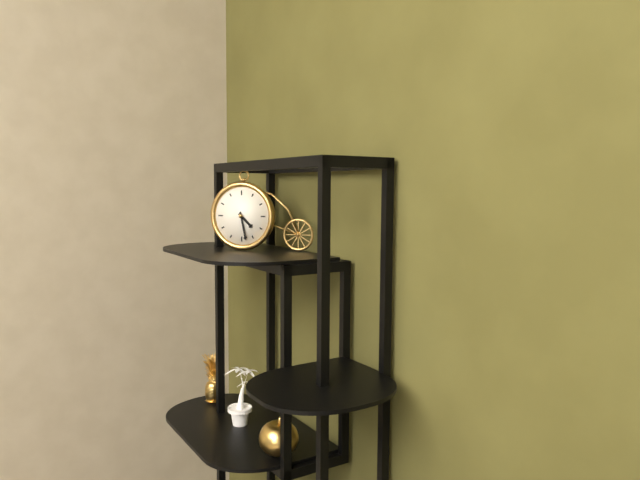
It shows 4,28
